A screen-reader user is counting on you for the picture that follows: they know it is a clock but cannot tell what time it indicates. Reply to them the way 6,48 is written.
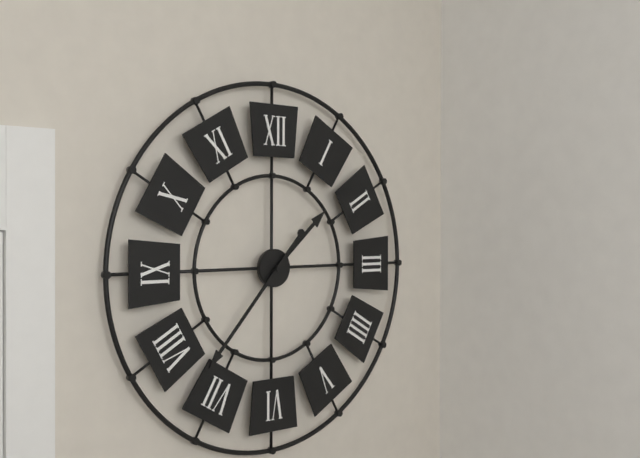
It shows 1,37
